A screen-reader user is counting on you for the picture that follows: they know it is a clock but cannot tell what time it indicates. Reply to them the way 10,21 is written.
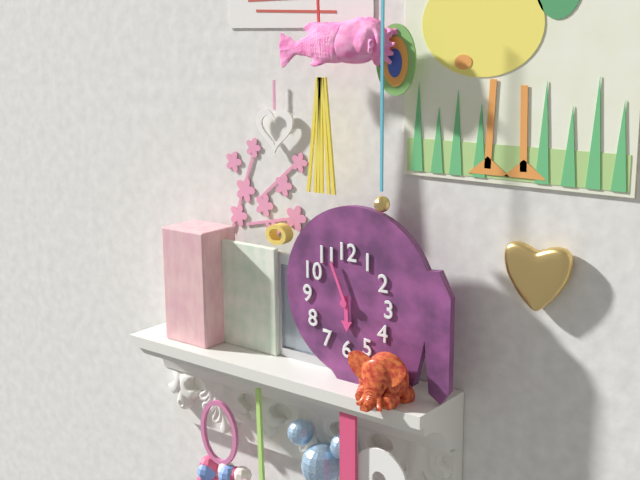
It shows 5,56
